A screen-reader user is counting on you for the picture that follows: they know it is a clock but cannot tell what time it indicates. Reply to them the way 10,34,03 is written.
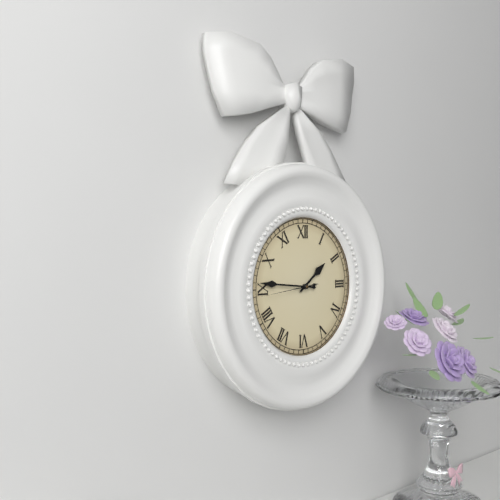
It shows 1,46,44
